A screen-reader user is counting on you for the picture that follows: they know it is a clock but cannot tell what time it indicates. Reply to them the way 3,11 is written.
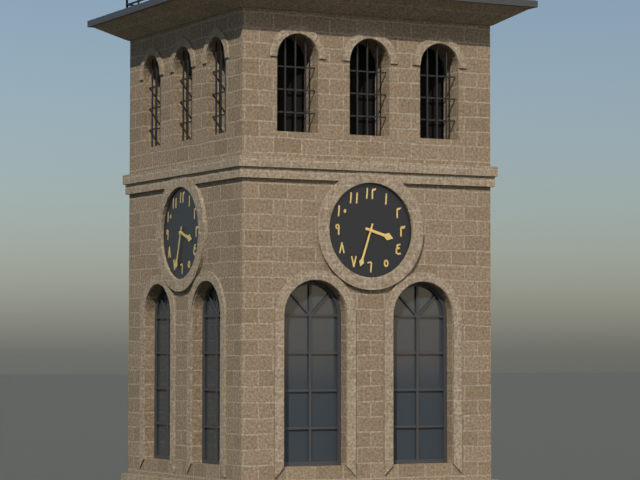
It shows 3,33
